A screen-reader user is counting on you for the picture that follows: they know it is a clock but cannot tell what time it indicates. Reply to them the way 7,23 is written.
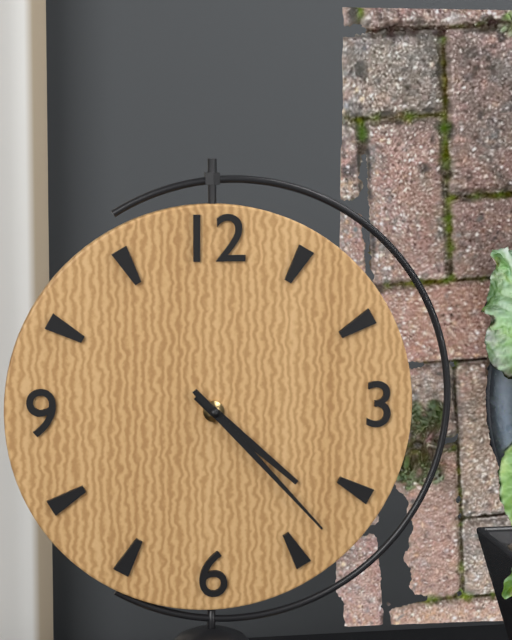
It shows 4,23
